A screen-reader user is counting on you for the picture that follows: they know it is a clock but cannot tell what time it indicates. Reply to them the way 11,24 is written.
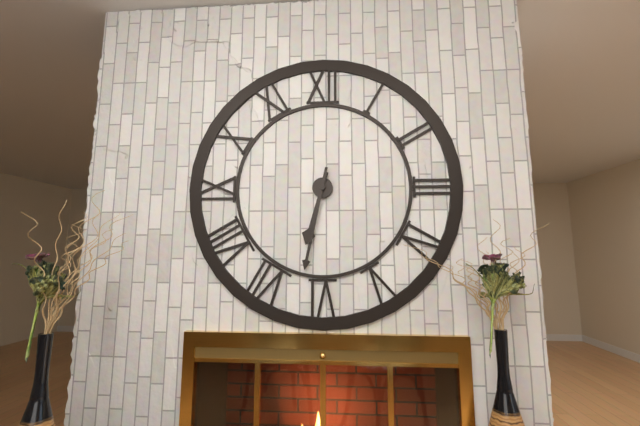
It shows 6,32
